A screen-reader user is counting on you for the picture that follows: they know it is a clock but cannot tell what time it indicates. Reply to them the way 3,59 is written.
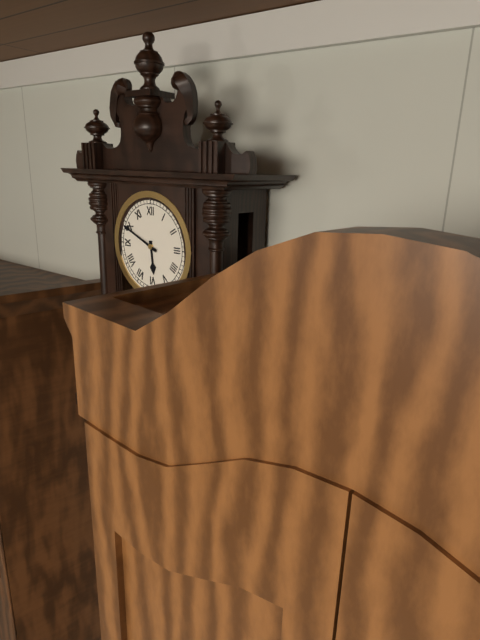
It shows 5,49
